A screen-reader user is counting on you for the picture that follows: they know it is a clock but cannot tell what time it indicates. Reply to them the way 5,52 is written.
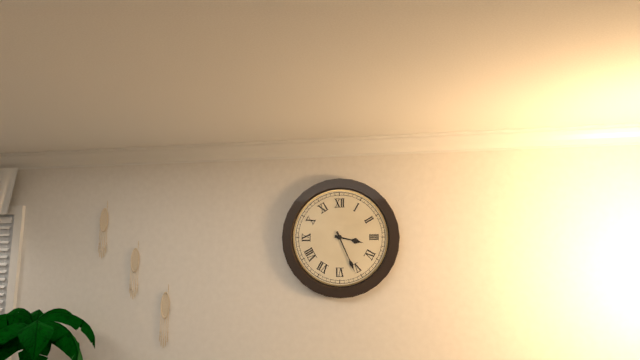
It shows 3,26
